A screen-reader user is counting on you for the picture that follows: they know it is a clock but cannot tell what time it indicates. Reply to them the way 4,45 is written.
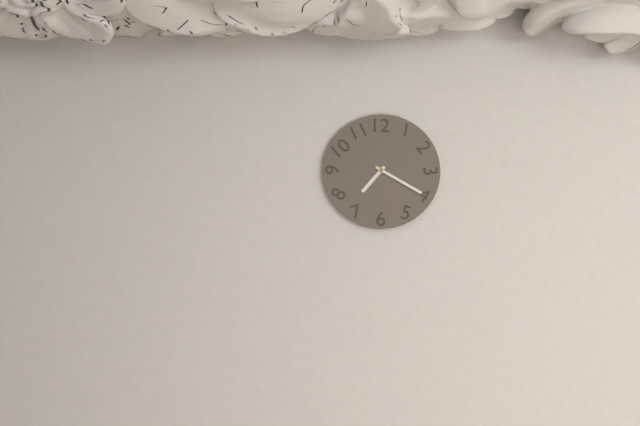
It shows 7,20
